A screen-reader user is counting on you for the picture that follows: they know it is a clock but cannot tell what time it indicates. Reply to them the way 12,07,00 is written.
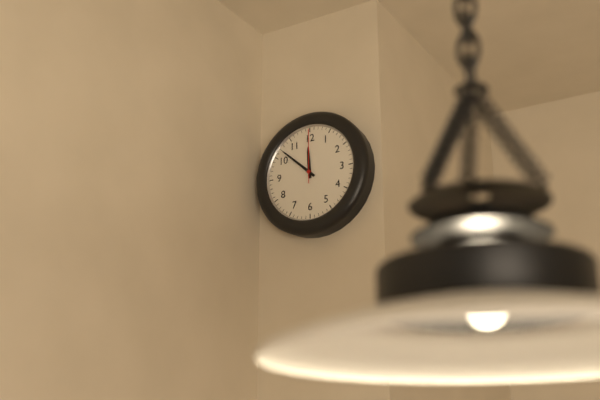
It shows 11,52,00
